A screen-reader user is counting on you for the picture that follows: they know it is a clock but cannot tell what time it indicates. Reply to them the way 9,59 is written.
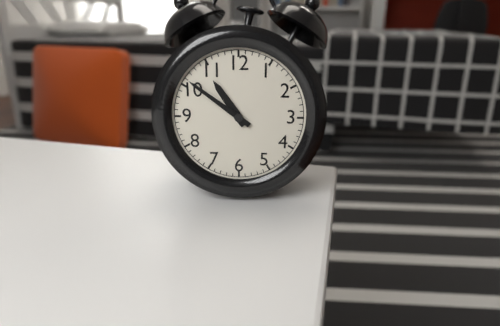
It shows 10,51
